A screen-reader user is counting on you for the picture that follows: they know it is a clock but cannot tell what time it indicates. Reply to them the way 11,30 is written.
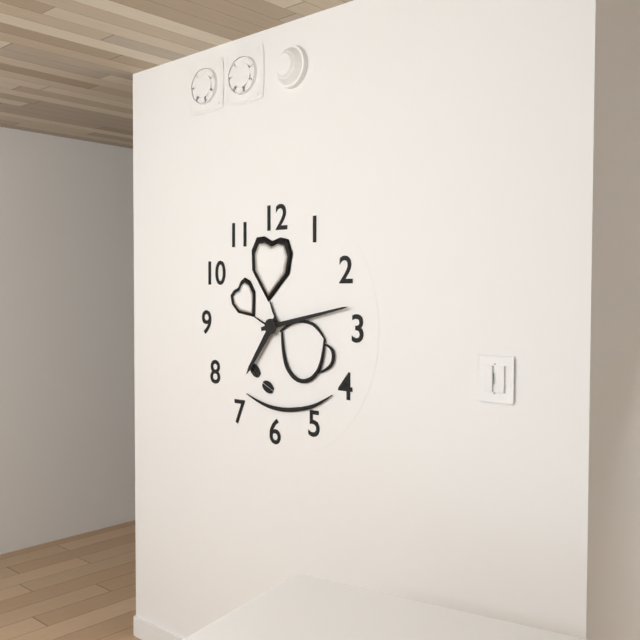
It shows 7,13
